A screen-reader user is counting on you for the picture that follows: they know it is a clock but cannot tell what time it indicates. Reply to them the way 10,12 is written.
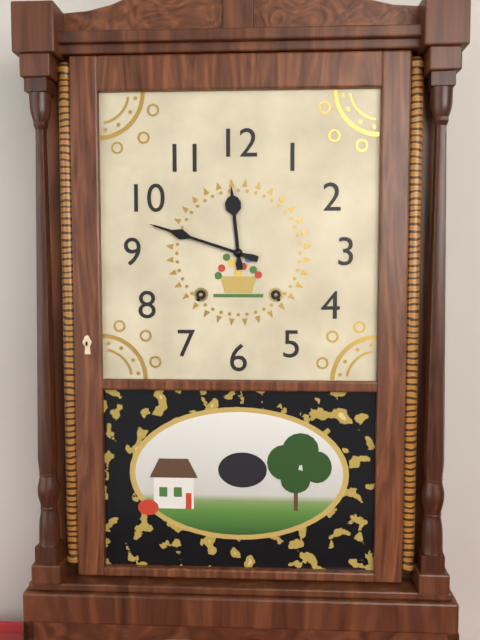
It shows 11,48
